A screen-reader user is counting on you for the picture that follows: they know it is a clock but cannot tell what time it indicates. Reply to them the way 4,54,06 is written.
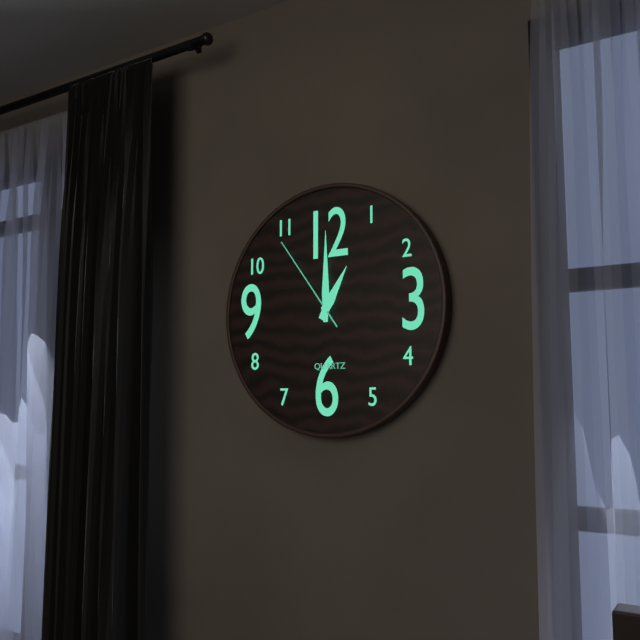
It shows 1,00,54
